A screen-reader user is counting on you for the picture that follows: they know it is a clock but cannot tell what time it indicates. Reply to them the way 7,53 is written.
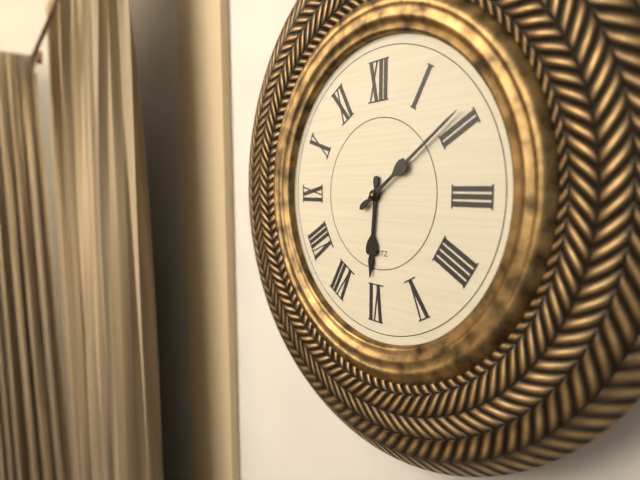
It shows 6,09
